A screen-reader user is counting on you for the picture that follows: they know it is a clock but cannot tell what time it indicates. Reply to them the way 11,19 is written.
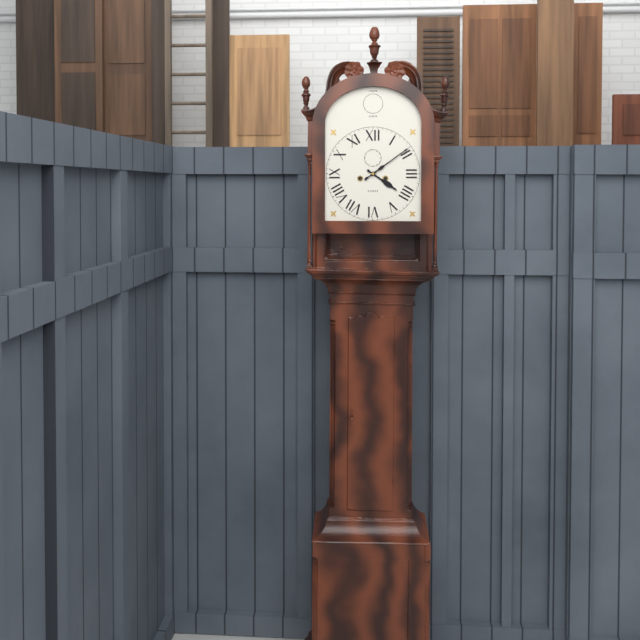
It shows 4,09
